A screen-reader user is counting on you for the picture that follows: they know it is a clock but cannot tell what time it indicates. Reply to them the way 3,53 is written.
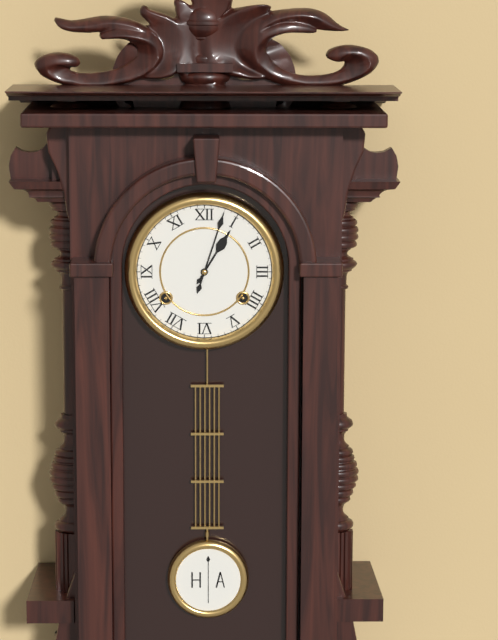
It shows 1,03
